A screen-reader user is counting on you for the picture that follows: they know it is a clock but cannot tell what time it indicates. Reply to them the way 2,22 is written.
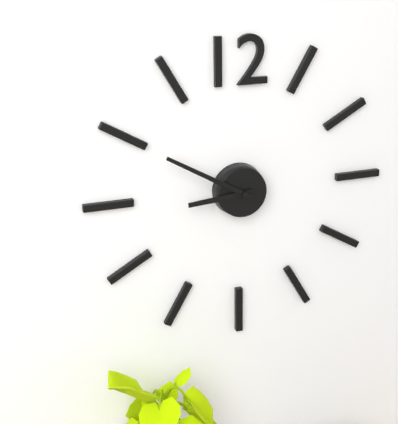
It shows 8,50
